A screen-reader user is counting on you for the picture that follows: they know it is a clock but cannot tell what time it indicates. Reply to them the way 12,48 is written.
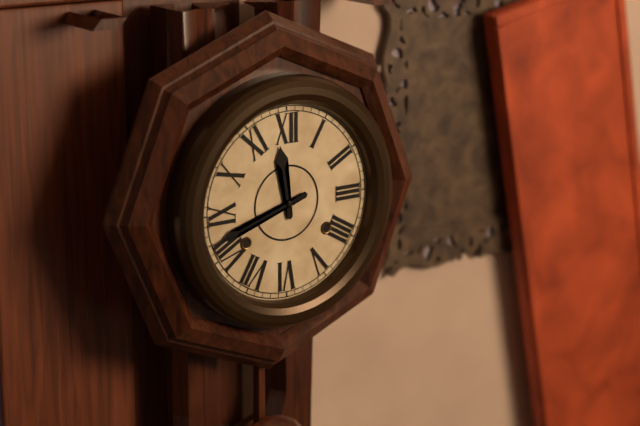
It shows 11,42
